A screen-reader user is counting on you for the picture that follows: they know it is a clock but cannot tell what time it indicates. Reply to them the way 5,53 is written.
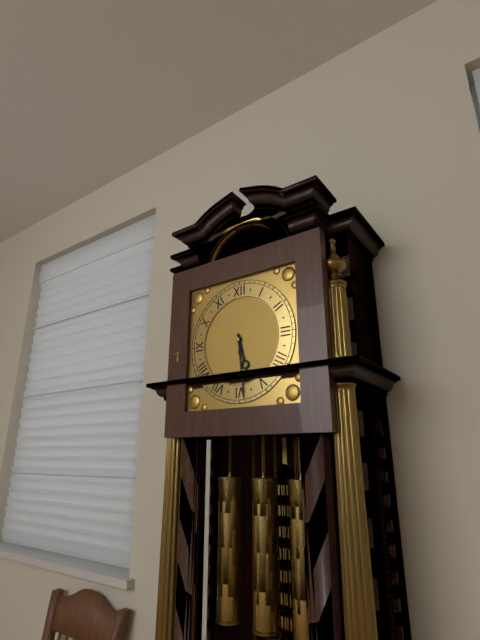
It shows 5,29
